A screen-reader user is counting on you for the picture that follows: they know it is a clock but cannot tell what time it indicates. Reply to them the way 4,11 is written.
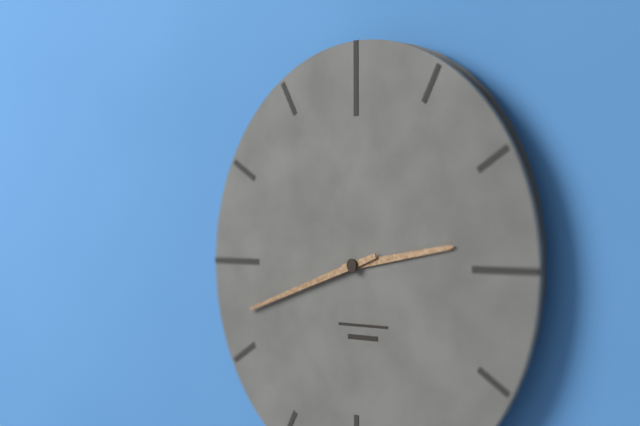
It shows 2,42
